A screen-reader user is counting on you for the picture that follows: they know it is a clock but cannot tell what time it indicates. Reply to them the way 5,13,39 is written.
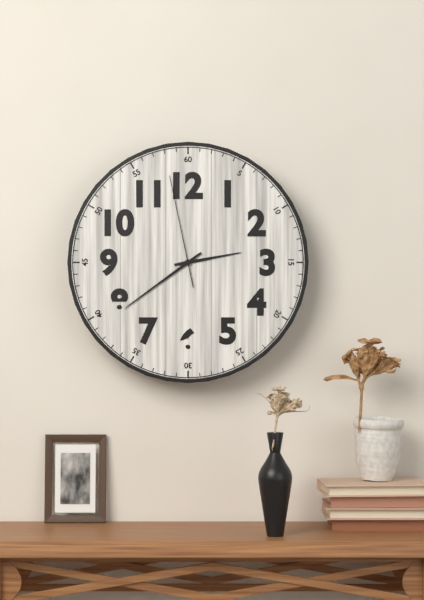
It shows 2,39,58
